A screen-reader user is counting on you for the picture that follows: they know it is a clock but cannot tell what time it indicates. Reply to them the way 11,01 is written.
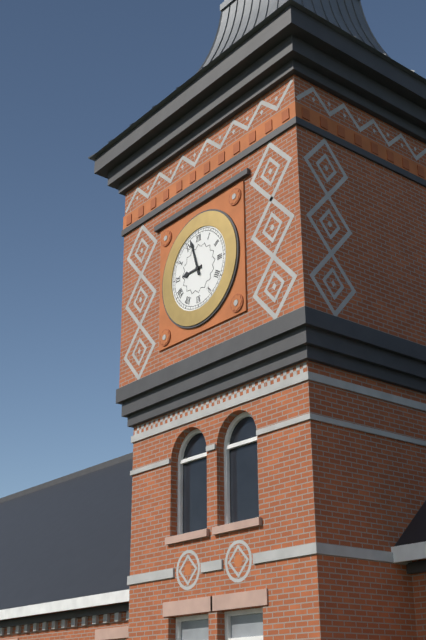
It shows 8,57
